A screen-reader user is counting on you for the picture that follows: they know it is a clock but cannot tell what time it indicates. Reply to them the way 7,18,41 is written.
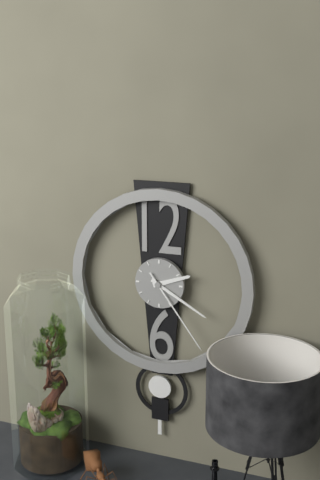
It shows 2,20,24
